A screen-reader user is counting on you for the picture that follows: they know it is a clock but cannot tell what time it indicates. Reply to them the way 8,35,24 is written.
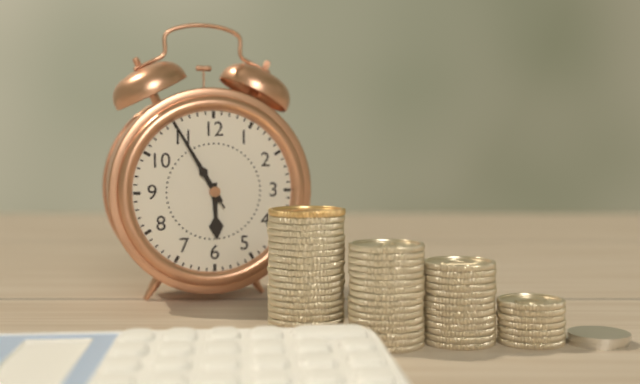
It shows 5,55,55
